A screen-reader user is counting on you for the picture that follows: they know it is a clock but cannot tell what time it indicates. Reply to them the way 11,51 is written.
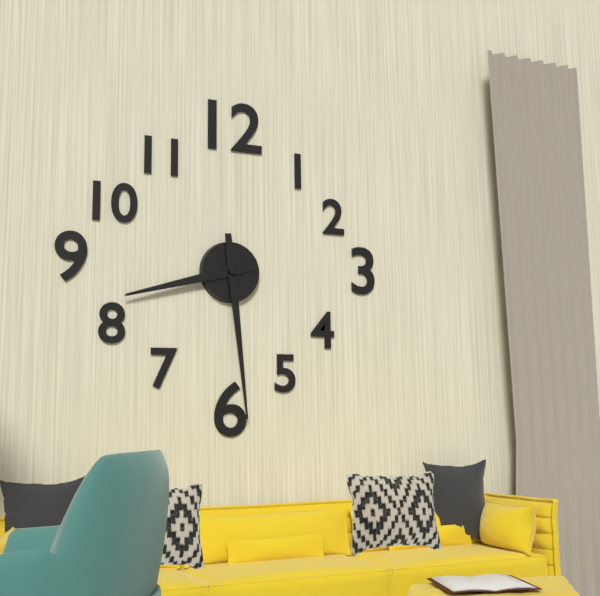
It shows 8,29
